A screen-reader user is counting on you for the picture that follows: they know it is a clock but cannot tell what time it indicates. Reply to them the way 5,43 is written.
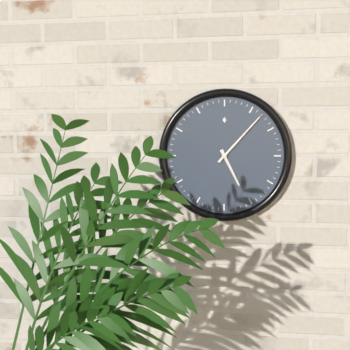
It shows 5,07
